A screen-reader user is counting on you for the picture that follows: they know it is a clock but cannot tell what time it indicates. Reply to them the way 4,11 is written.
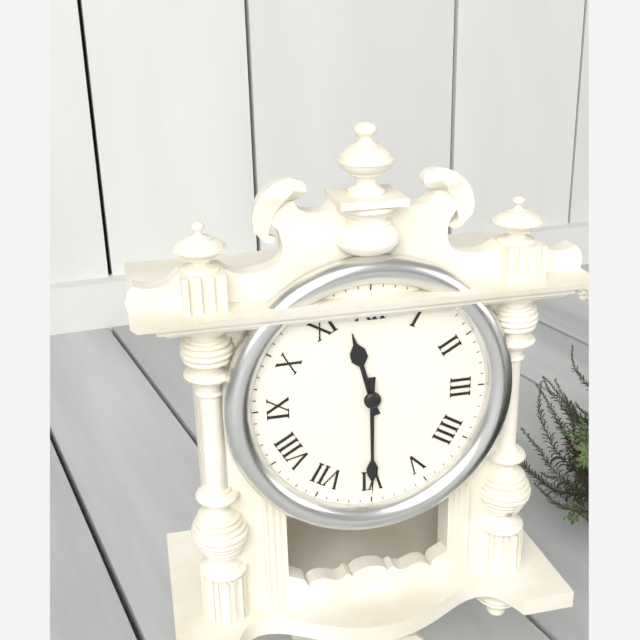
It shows 11,30
